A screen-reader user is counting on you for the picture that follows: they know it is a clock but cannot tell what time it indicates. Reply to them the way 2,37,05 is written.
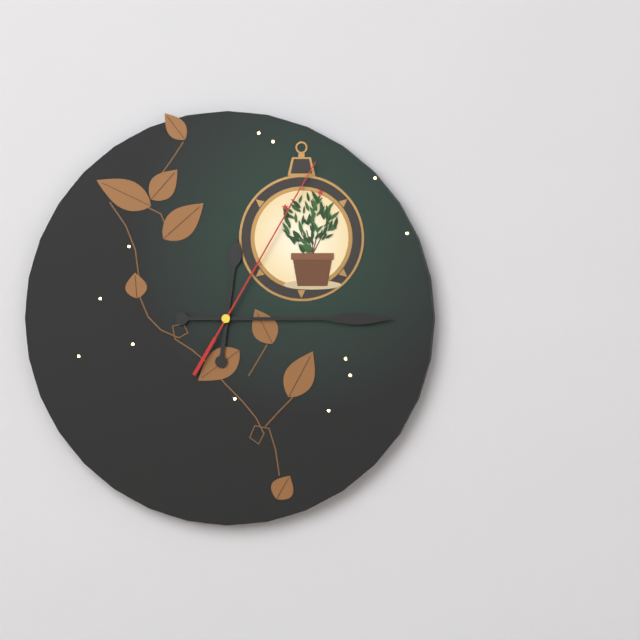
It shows 12,15,05
